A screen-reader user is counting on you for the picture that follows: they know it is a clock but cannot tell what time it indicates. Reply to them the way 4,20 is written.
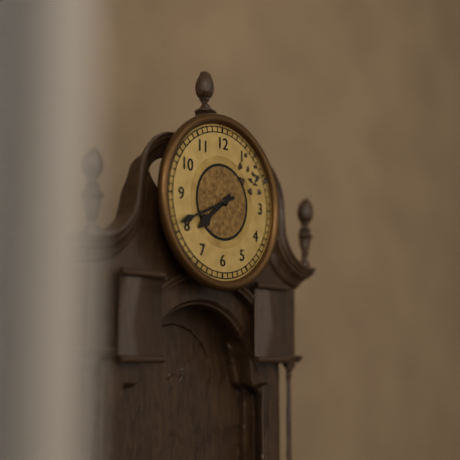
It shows 7,41
